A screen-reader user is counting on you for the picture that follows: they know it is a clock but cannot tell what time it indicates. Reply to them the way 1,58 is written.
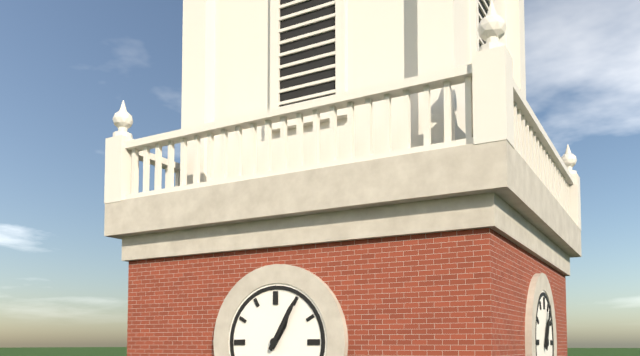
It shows 1,05
